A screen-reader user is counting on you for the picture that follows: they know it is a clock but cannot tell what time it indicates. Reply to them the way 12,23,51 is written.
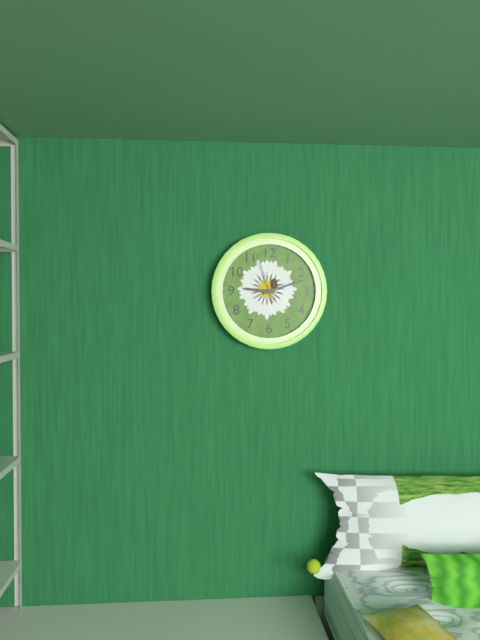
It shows 9,12,57
